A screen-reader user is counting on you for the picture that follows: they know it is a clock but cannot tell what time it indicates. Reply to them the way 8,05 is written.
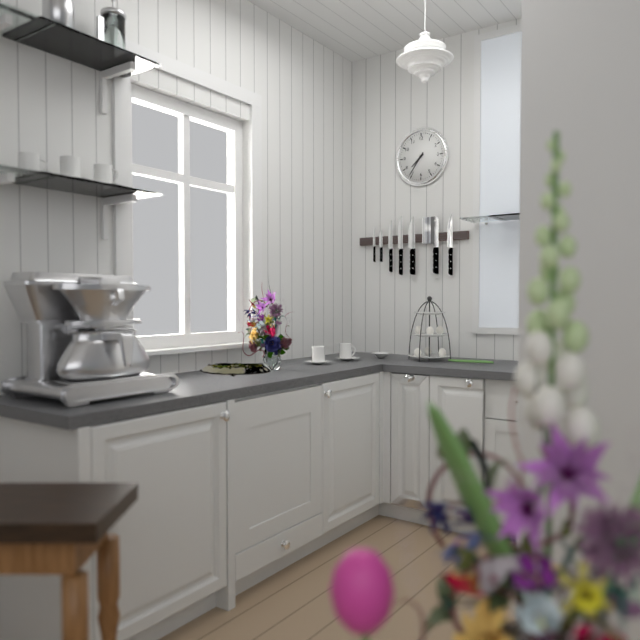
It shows 7,36
